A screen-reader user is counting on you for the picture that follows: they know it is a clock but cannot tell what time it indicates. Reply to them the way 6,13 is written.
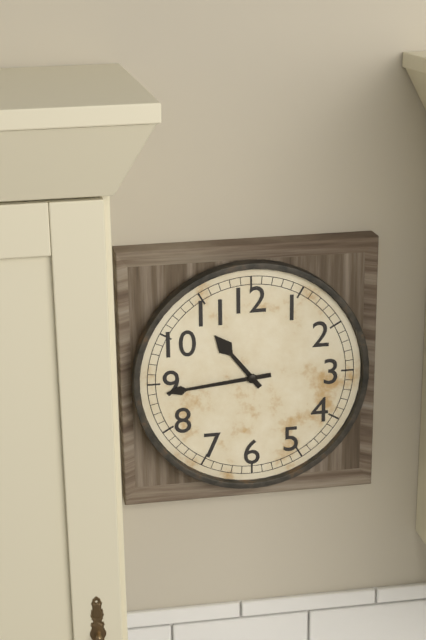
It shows 10,44
